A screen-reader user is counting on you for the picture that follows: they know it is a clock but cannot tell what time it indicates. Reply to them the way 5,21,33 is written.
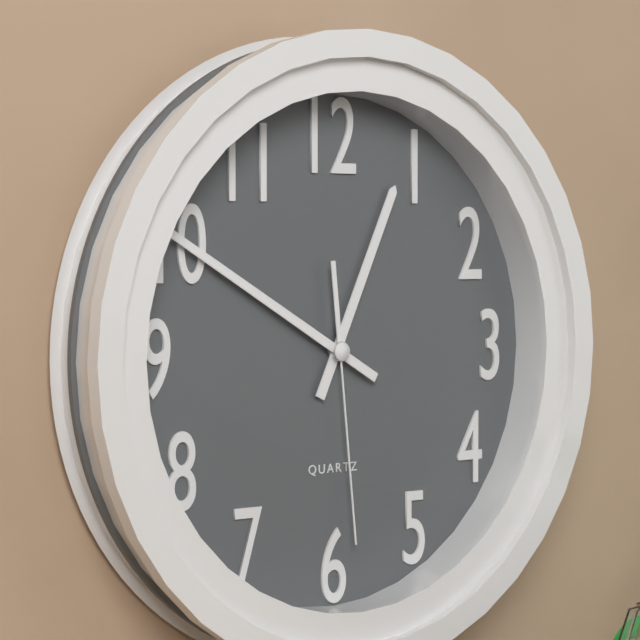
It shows 12,50,29
